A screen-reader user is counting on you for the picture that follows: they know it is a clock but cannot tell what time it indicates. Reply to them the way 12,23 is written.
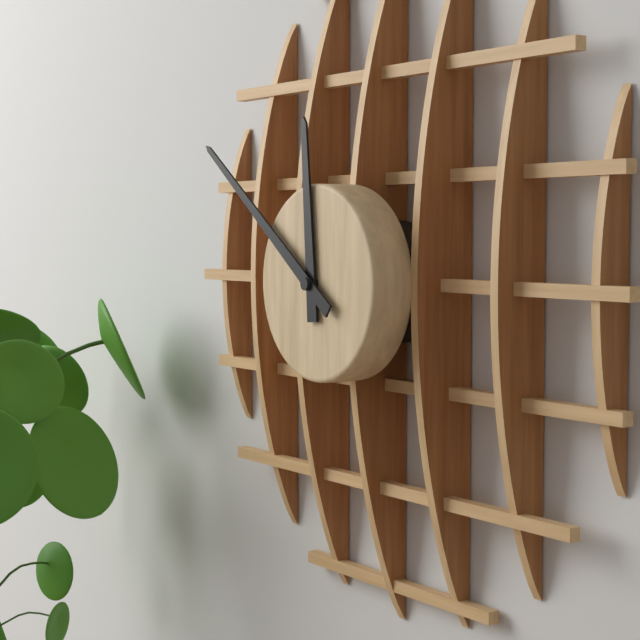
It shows 11,51
